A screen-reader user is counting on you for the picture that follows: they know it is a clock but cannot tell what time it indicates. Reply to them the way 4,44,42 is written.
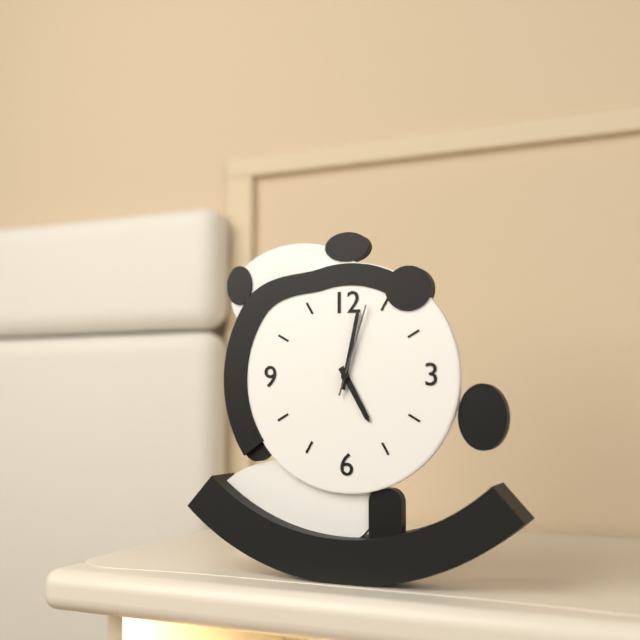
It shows 5,02,03
